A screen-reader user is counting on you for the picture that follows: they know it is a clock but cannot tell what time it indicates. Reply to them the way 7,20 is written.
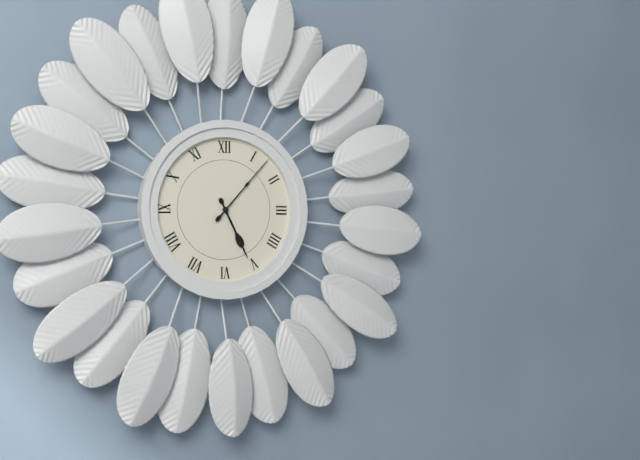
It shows 5,07
